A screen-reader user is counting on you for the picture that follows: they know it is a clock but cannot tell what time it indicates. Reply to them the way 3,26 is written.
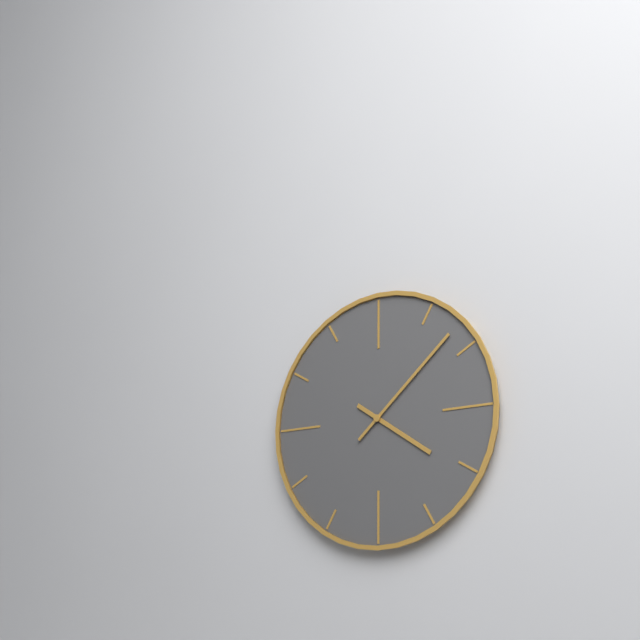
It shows 4,08
